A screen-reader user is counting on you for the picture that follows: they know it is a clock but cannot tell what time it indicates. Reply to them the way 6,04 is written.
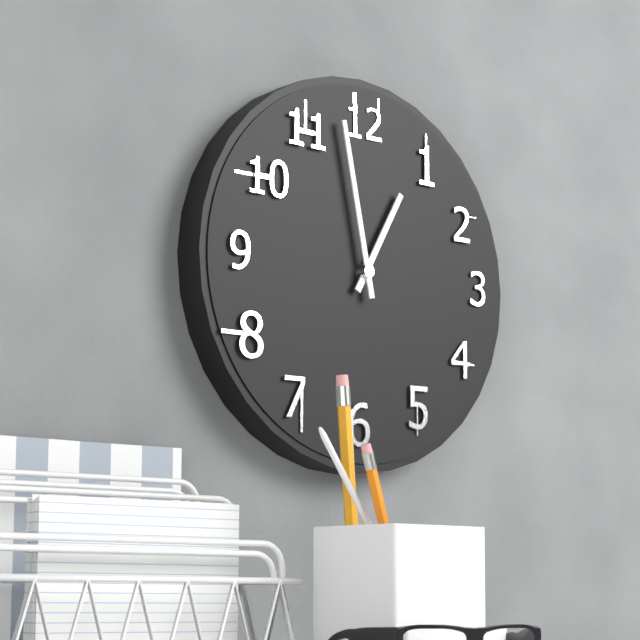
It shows 12,58
